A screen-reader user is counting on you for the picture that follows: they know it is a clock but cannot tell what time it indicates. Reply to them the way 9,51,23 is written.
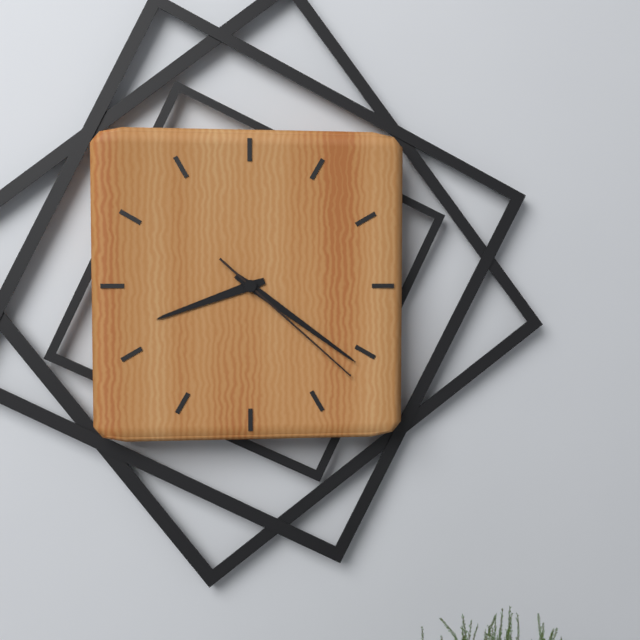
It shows 8,21,22
